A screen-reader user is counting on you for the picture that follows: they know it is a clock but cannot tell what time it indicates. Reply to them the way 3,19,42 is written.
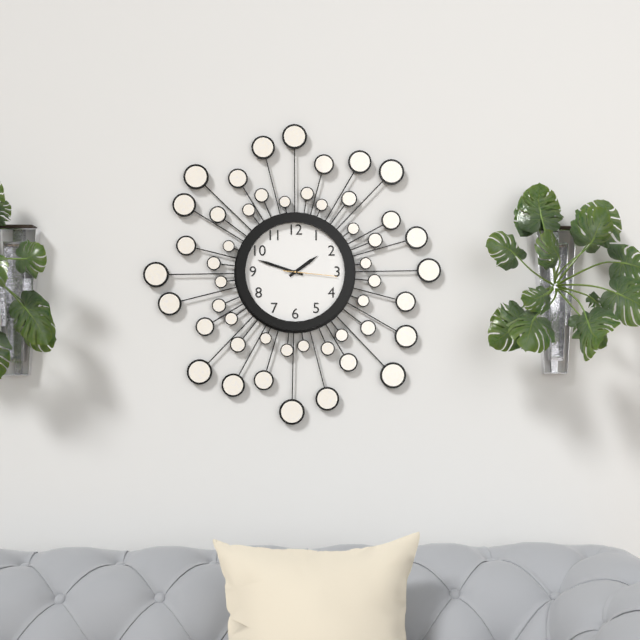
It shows 1,48,16
